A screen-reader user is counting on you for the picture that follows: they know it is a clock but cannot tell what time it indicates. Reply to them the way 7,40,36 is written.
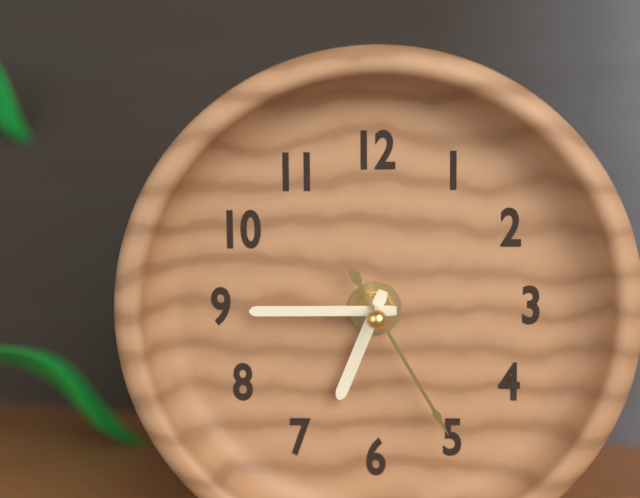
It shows 6,45,25
